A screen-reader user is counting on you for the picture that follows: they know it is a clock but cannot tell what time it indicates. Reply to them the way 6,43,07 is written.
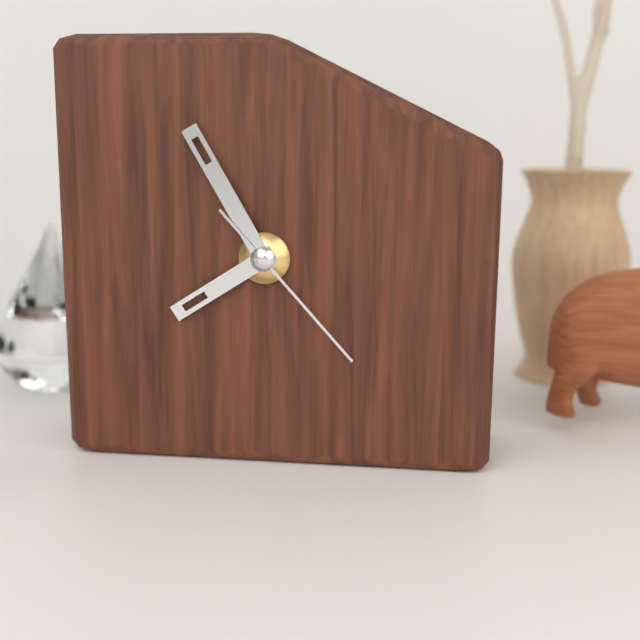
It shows 7,55,23
